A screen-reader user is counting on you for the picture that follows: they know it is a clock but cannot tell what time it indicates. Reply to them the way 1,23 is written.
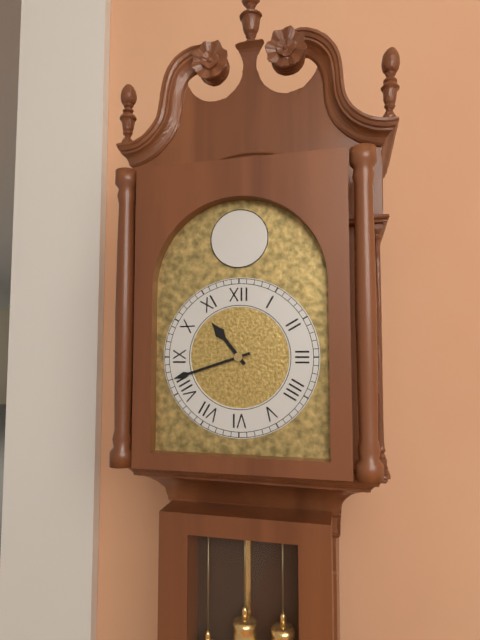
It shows 10,42
